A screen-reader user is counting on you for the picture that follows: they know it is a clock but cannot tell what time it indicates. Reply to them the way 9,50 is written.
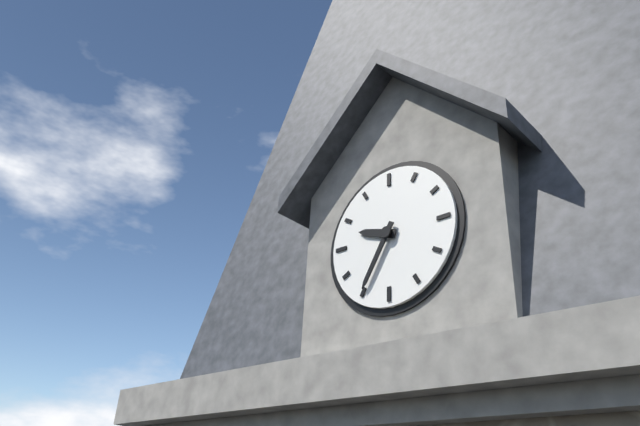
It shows 9,35
